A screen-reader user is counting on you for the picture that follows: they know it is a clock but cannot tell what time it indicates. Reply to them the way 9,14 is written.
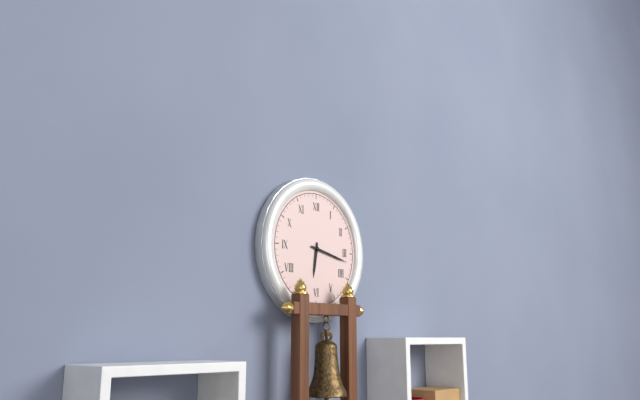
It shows 6,17
